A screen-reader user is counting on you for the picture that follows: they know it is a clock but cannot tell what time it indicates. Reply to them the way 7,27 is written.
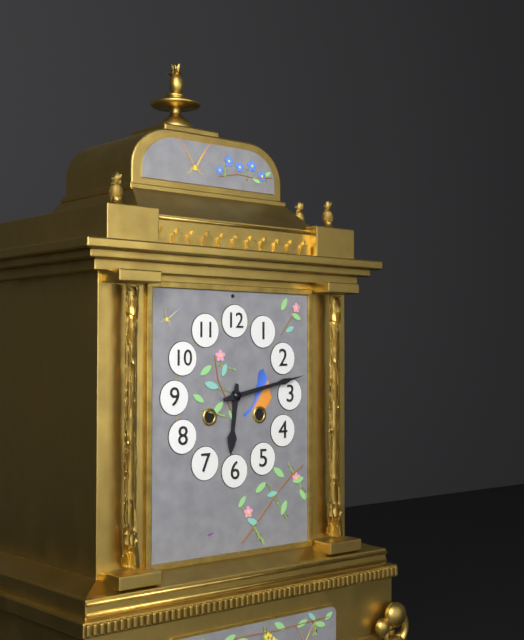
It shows 6,13
